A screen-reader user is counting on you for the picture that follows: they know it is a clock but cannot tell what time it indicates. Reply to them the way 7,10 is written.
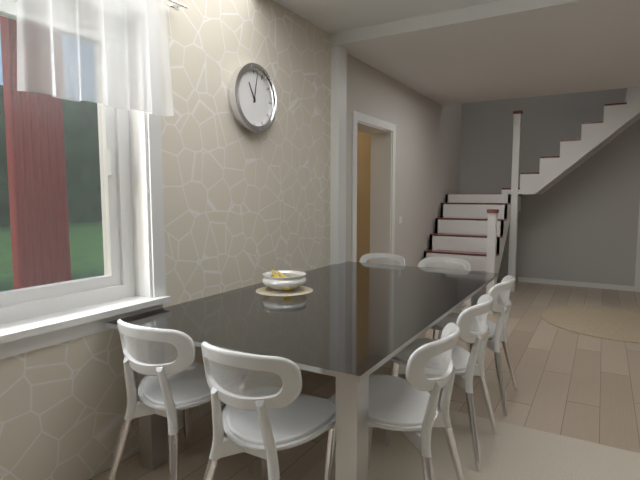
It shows 11,02
